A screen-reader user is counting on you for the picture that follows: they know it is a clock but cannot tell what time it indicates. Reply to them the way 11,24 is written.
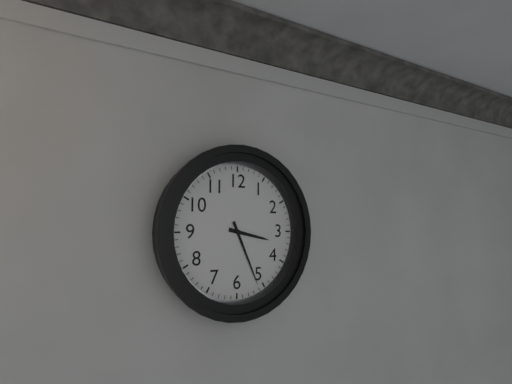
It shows 3,26
